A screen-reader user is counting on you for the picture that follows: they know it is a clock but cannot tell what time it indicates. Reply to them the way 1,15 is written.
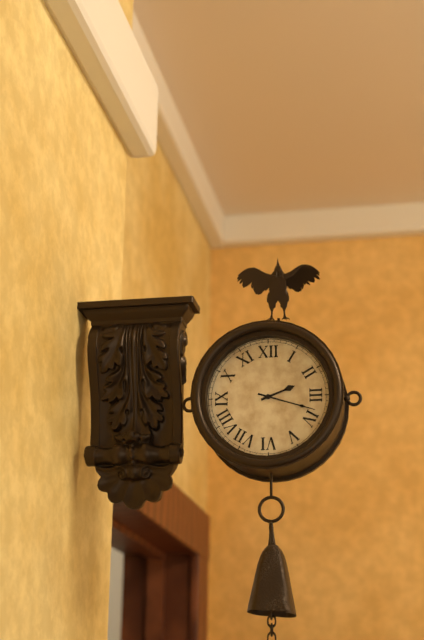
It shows 2,18
